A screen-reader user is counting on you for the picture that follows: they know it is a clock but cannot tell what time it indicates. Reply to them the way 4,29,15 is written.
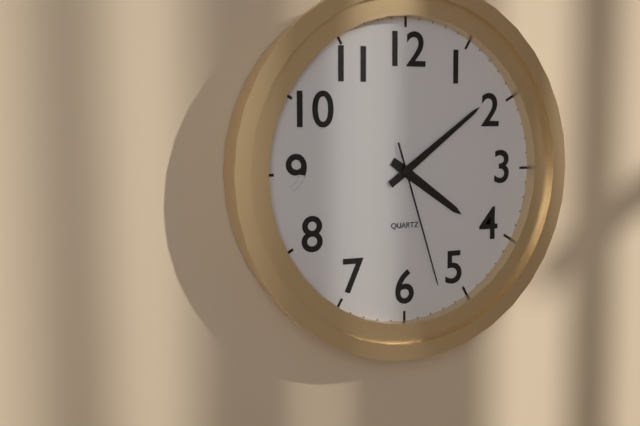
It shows 4,09,27
